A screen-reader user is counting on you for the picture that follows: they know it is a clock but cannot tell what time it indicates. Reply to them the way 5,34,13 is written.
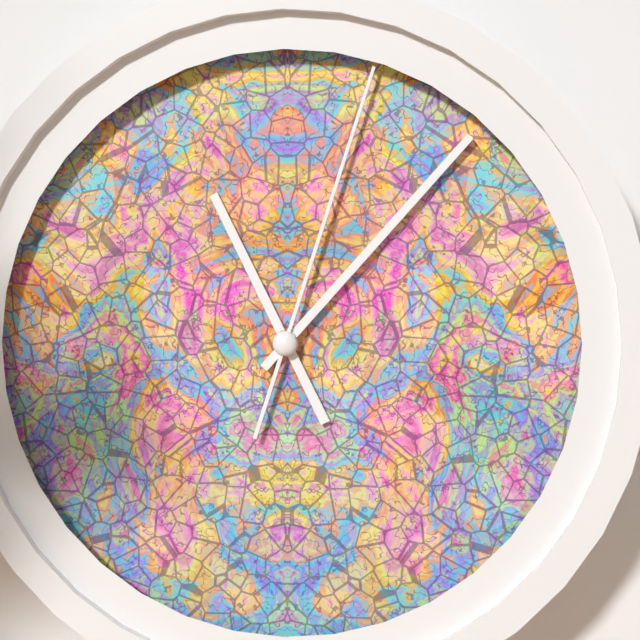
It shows 11,07,03
